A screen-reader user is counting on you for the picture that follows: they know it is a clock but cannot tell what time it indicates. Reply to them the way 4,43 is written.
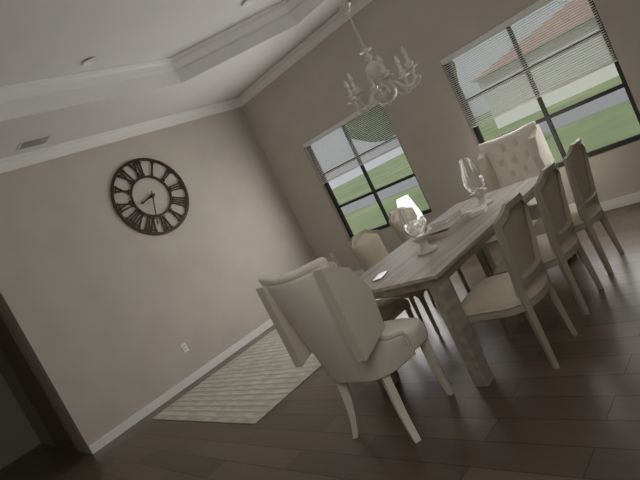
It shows 8,33
